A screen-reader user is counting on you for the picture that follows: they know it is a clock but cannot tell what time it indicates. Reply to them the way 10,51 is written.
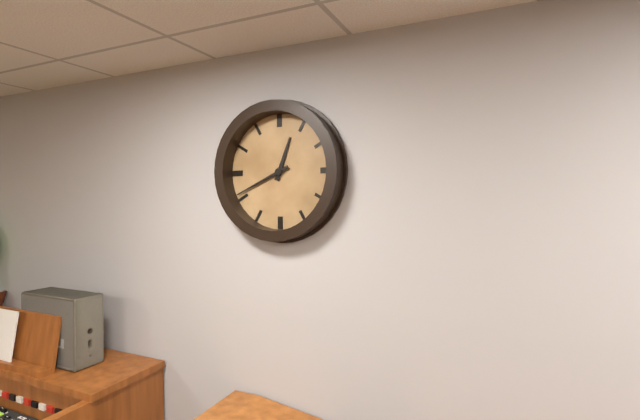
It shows 12,41
